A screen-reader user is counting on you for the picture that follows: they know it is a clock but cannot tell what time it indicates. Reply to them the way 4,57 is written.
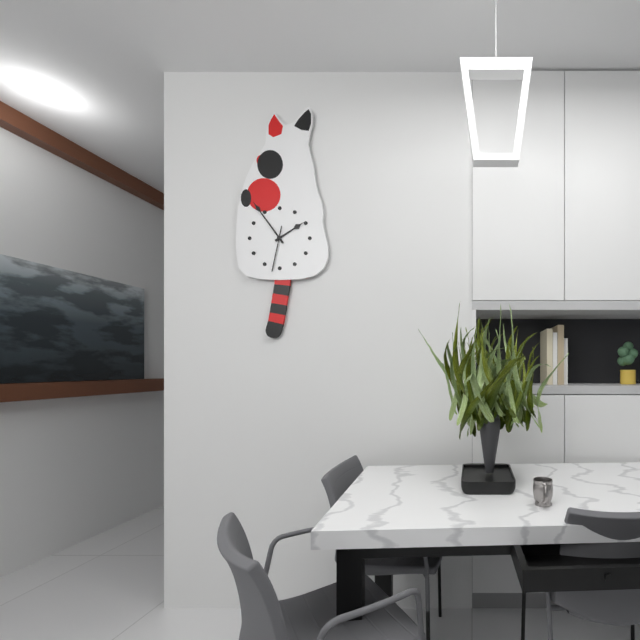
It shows 1,54
